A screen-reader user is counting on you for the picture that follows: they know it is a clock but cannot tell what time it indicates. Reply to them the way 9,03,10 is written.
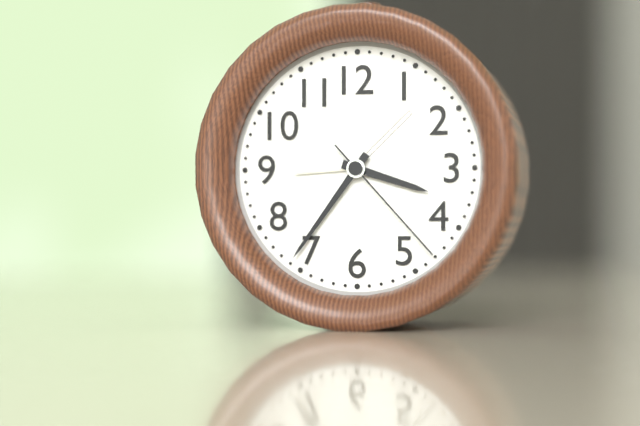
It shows 3,36,23
